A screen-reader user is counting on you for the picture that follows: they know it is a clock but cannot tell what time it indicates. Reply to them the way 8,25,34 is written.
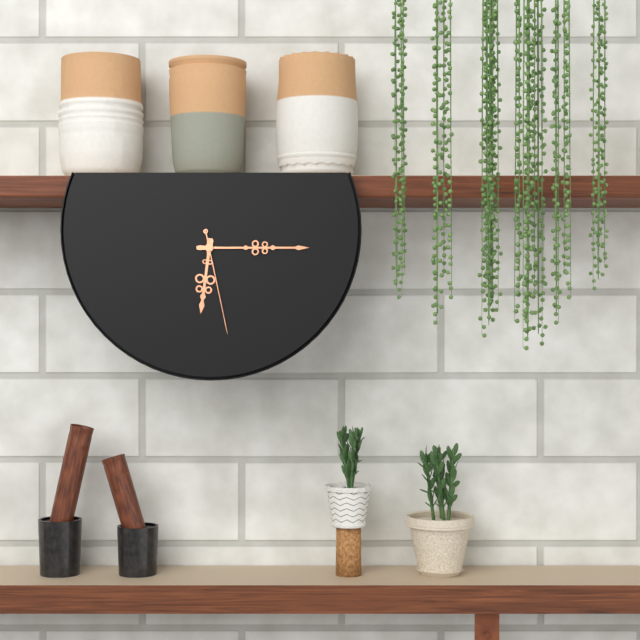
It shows 6,15,28
